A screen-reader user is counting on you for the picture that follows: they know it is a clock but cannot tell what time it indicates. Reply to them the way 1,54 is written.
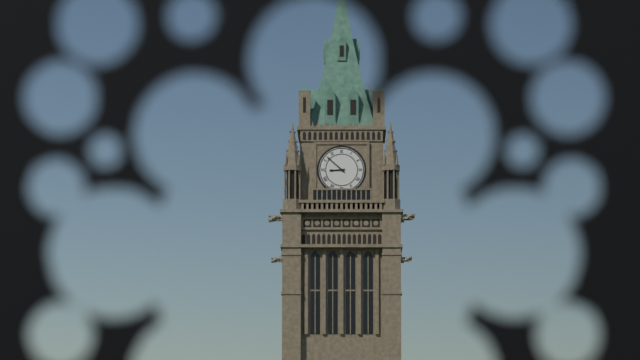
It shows 8,52
